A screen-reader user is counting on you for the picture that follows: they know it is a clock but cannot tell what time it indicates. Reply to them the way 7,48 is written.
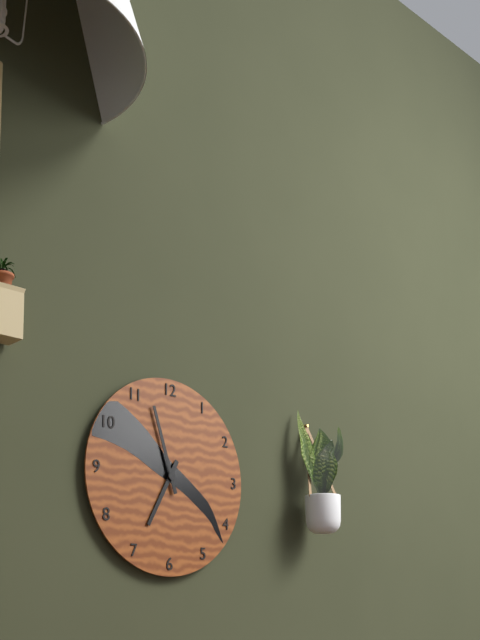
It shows 6,57
